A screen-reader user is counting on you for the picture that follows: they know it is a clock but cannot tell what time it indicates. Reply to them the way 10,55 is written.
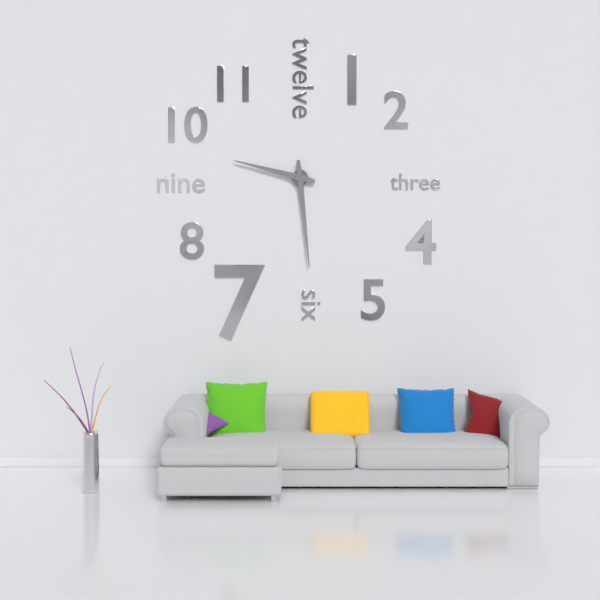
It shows 9,29
